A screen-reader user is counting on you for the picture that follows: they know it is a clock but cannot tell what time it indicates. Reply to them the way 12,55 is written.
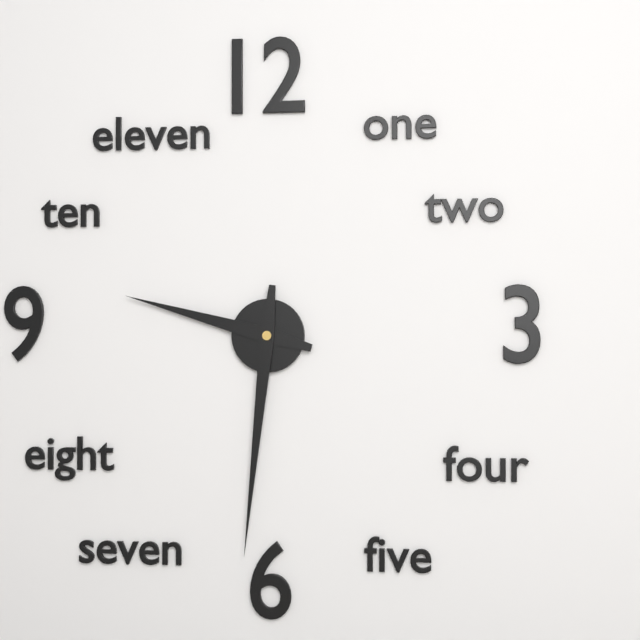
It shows 9,31
